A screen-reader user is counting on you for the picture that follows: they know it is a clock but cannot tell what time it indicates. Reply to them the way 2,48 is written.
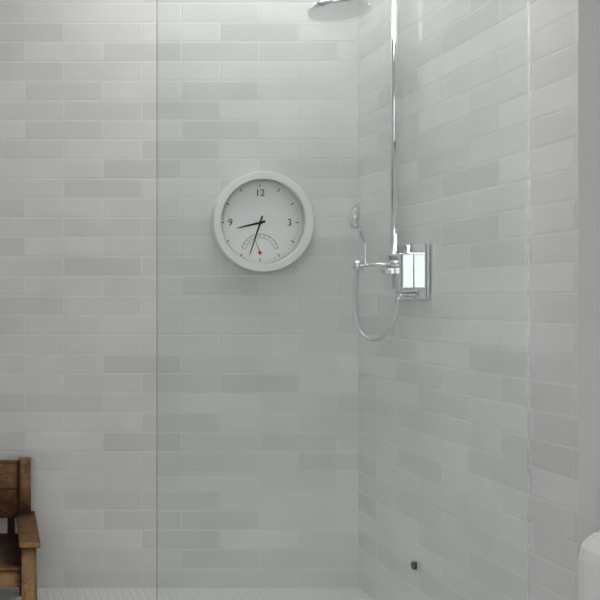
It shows 8,33
